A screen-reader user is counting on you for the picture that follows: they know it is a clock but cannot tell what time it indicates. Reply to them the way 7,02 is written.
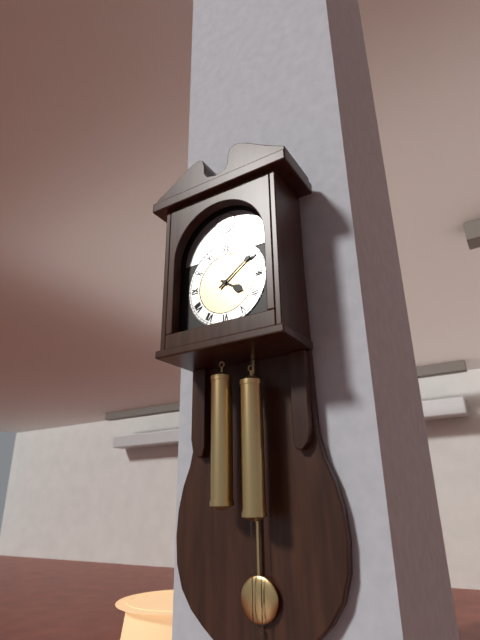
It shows 4,09
